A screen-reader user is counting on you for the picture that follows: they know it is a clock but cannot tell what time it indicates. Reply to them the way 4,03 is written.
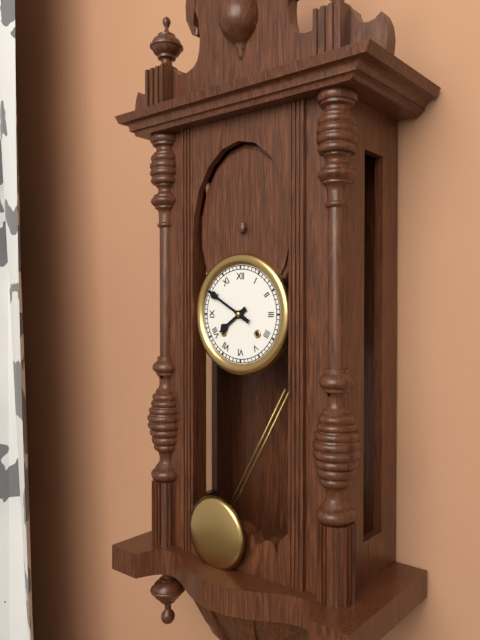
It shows 7,50
